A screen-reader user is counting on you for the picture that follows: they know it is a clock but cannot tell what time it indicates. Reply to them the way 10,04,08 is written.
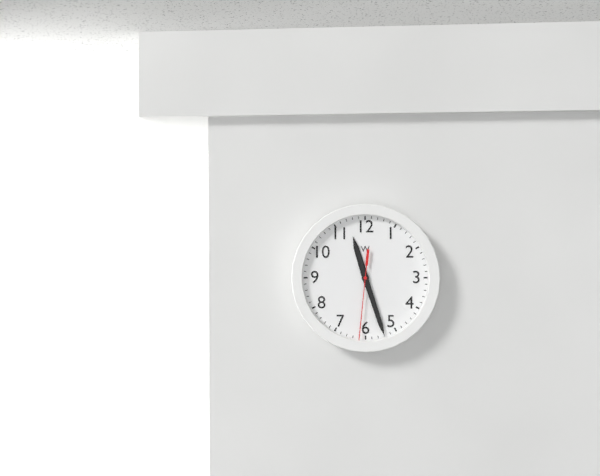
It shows 11,27,31
